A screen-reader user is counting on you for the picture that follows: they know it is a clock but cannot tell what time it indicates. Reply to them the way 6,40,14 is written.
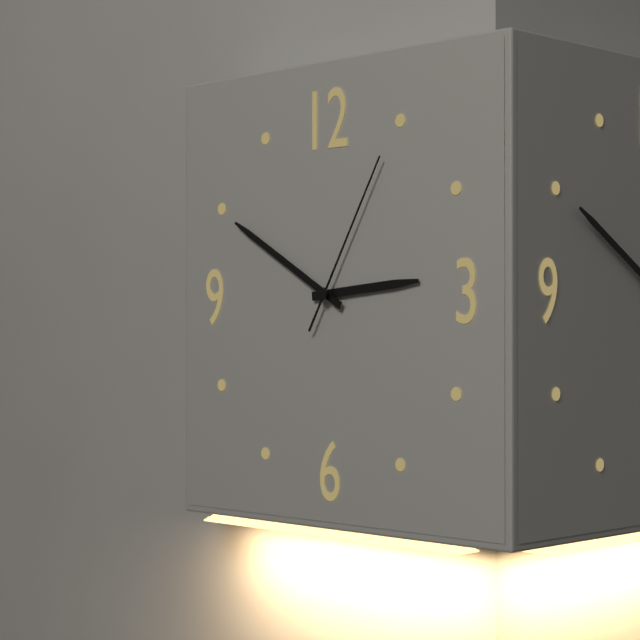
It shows 2,50,05
